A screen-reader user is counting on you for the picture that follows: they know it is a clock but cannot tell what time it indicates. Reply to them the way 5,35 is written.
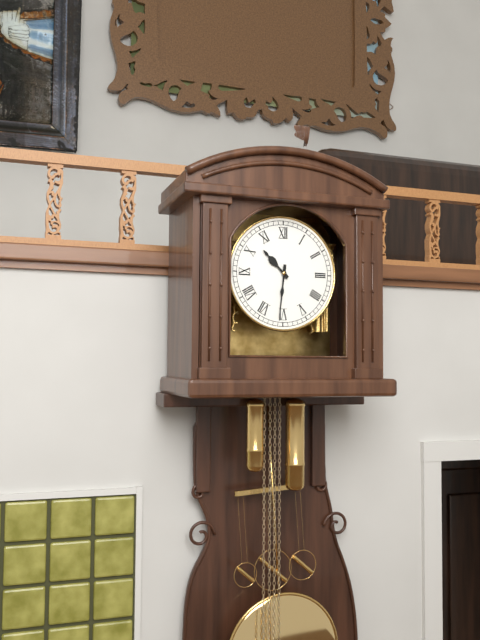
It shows 10,31
